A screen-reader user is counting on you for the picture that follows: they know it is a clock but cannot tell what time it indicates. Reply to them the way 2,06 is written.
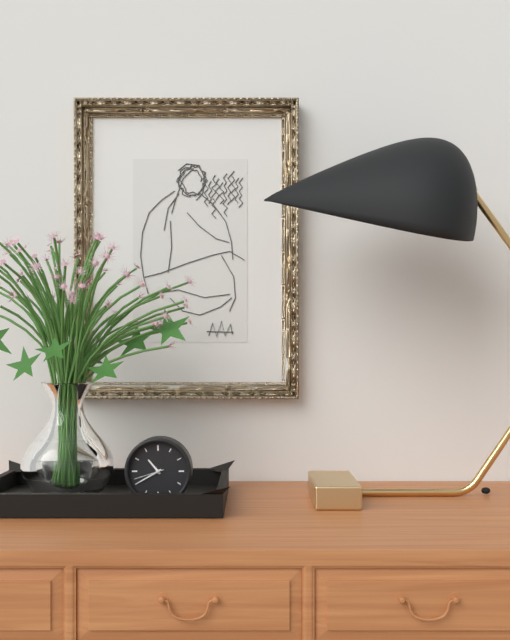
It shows 10,40
